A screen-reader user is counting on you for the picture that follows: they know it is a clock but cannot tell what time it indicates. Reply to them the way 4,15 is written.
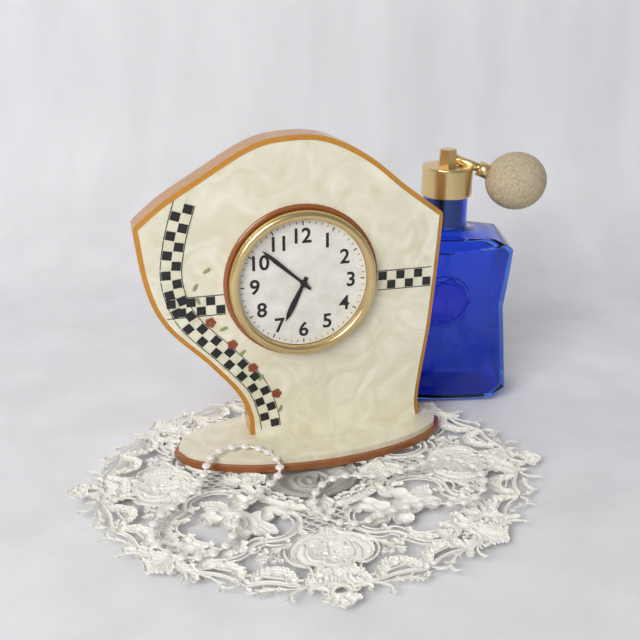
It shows 6,52
